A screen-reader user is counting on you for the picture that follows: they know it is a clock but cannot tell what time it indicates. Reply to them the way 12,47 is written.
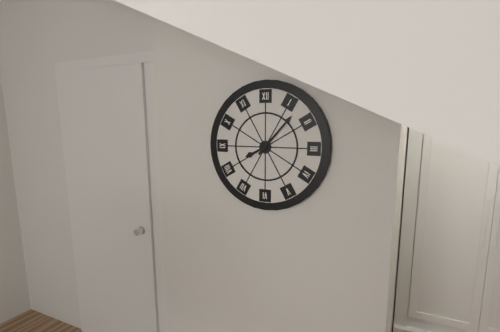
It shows 8,07
